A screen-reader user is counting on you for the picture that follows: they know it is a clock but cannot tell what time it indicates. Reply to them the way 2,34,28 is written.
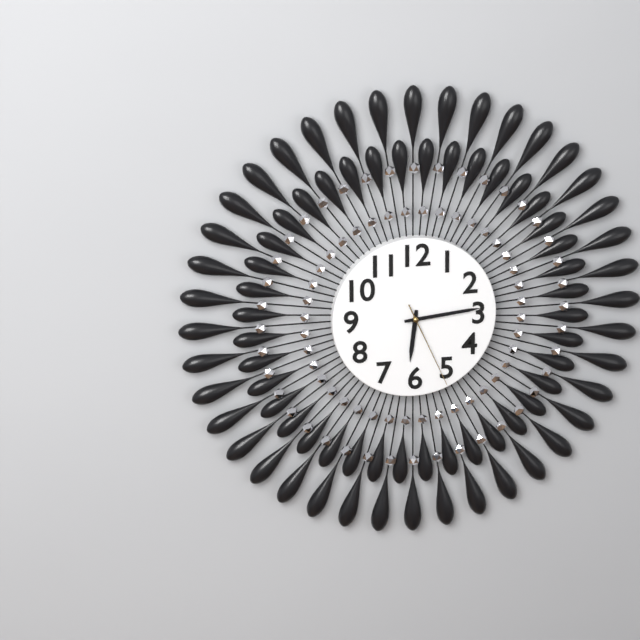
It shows 6,14,26
